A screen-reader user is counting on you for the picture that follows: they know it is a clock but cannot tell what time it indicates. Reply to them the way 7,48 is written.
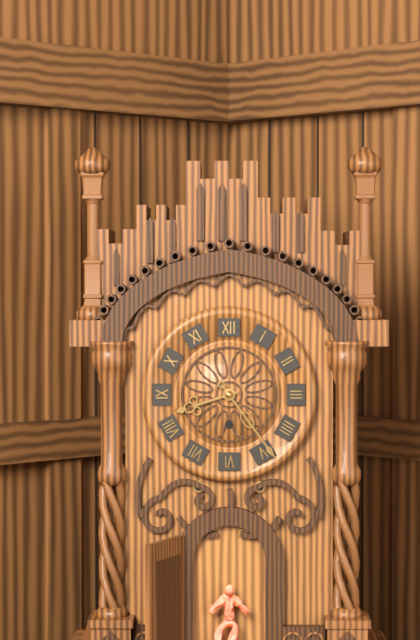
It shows 8,24
